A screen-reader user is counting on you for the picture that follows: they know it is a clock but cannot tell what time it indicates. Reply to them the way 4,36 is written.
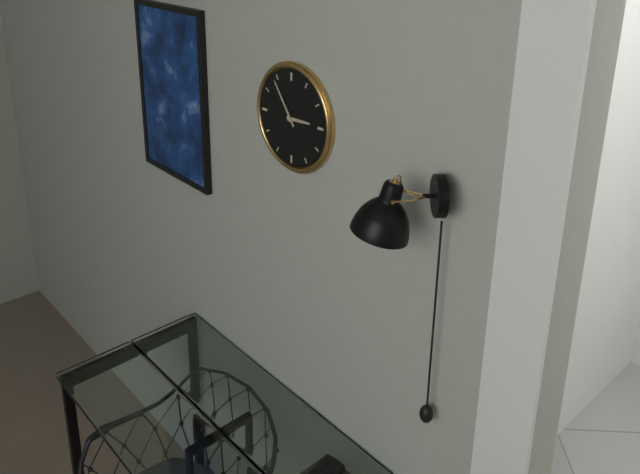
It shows 2,54
